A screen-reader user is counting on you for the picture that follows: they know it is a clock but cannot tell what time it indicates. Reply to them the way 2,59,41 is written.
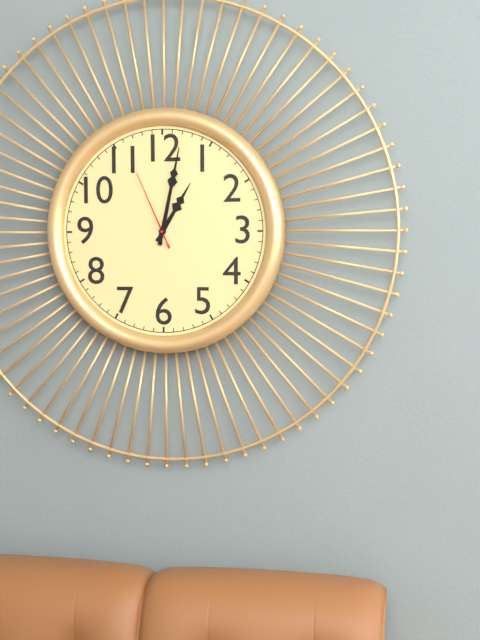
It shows 1,02,56
